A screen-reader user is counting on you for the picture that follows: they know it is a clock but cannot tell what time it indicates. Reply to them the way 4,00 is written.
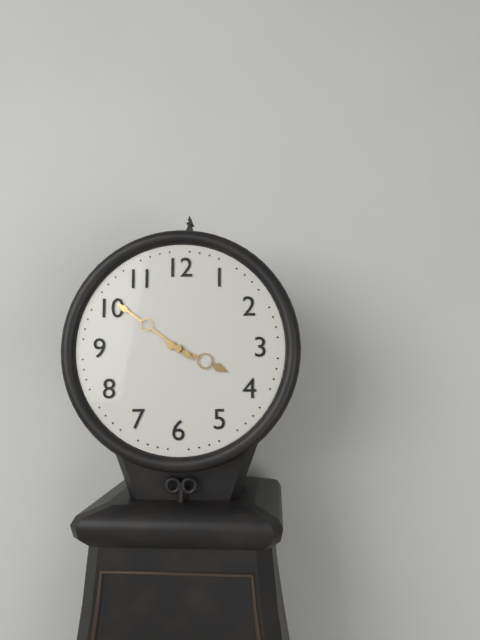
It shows 3,51
